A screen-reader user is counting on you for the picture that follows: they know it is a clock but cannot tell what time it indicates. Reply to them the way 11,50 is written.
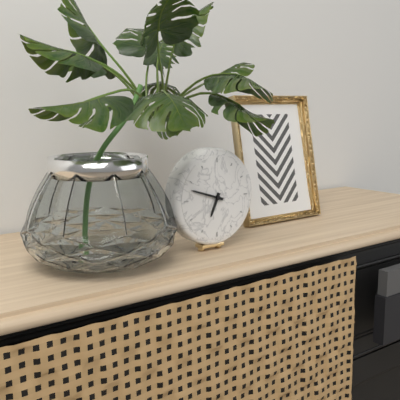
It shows 6,48
